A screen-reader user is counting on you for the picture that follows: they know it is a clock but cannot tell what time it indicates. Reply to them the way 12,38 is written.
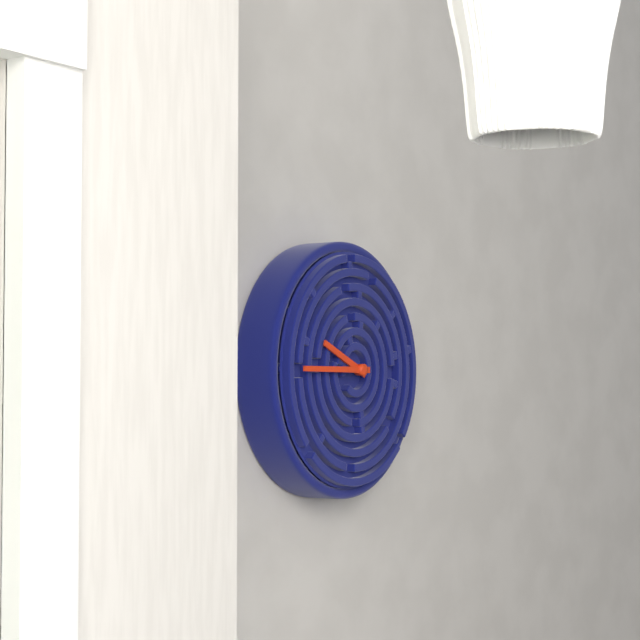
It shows 9,45
